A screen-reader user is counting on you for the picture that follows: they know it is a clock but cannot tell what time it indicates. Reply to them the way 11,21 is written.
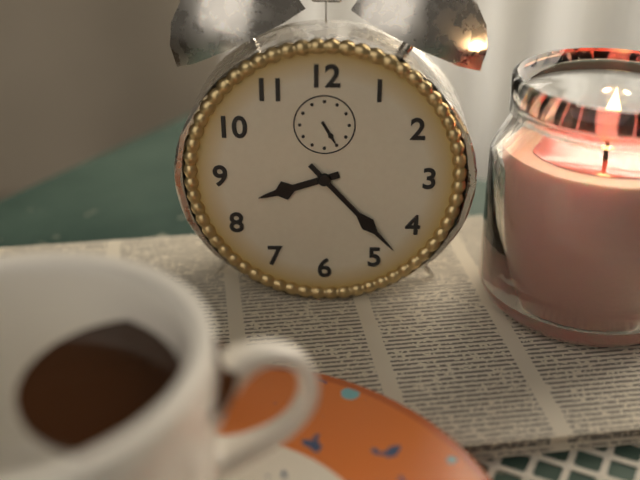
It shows 8,23
